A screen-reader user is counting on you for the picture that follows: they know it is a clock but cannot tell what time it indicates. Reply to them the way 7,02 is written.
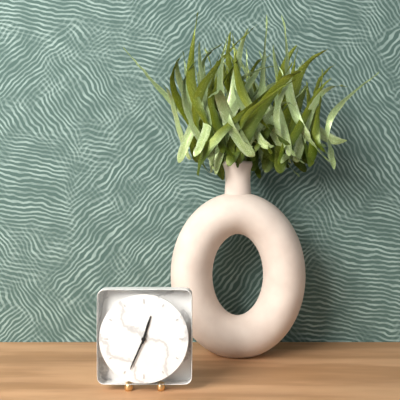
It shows 12,34
